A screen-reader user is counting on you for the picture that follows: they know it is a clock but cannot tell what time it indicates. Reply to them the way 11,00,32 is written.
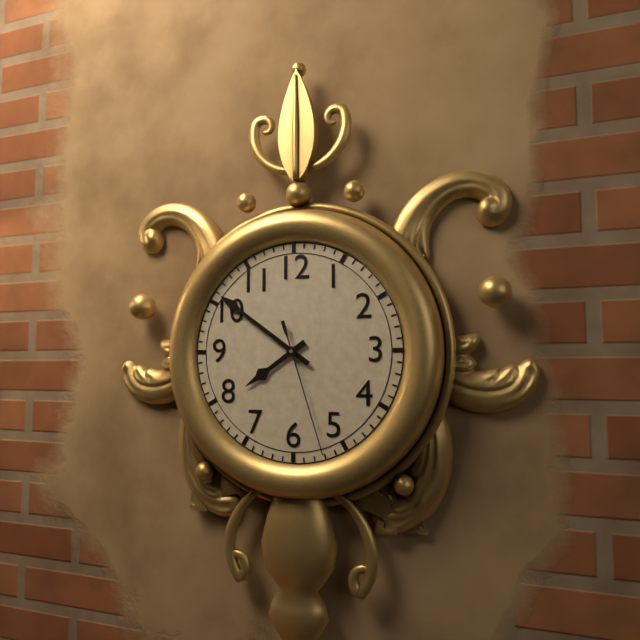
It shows 7,51,27
